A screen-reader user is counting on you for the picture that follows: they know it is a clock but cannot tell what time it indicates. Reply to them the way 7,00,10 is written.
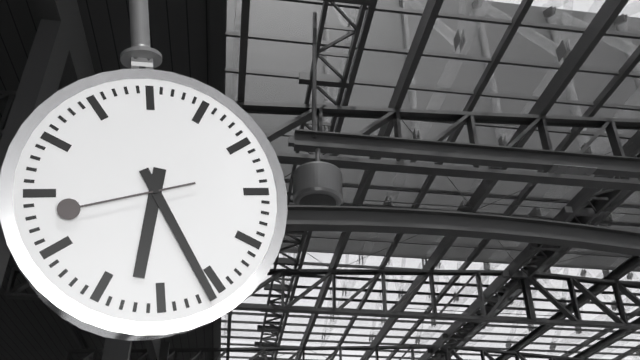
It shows 6,26,43
